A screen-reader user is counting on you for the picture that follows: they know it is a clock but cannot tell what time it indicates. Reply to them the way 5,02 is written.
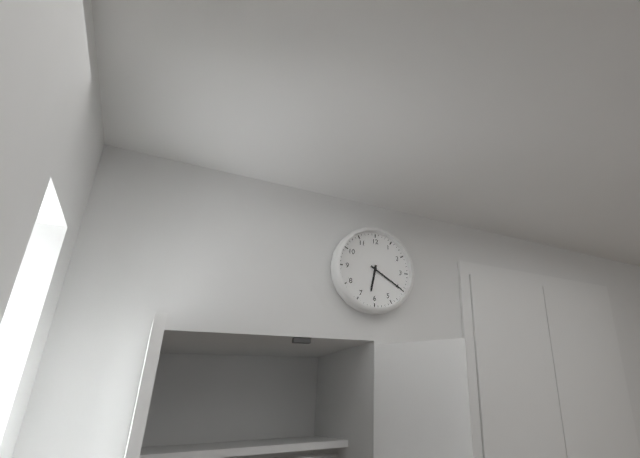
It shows 6,20
